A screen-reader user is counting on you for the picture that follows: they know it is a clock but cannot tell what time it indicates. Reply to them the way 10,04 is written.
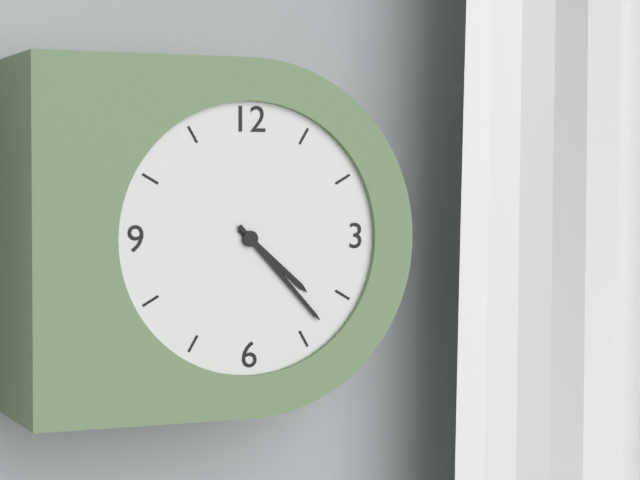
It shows 4,23
